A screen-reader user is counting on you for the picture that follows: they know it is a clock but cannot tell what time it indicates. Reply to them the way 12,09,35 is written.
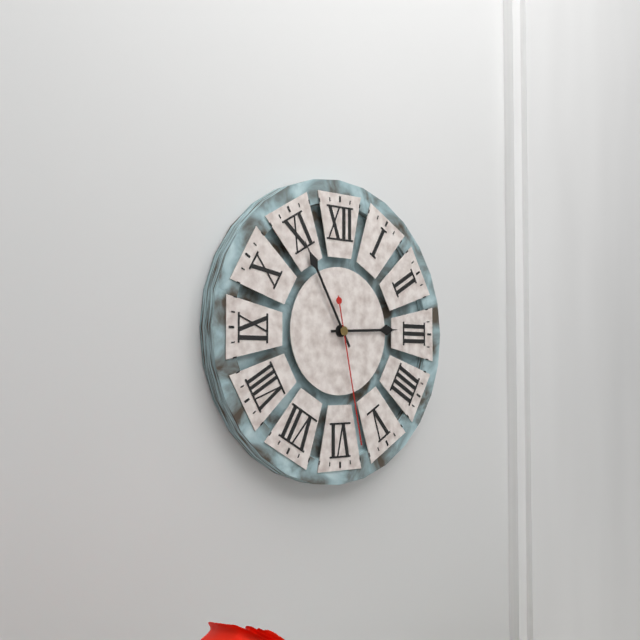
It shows 2,55,28
